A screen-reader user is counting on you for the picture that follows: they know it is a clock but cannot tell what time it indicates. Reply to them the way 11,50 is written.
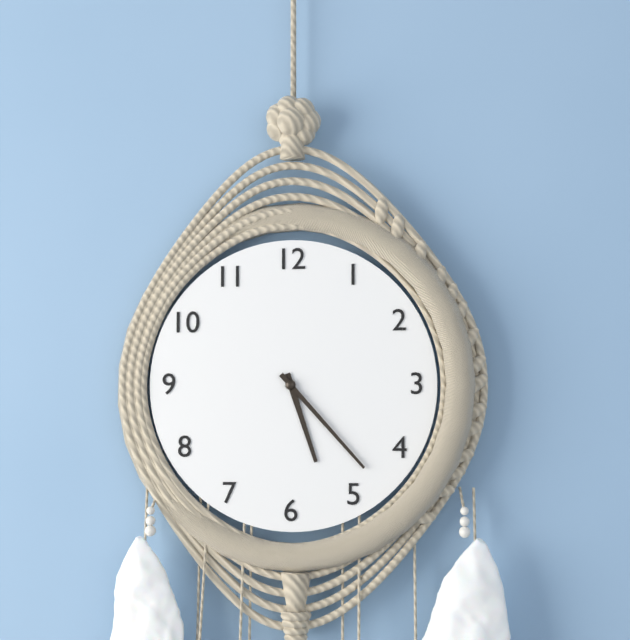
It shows 5,23
